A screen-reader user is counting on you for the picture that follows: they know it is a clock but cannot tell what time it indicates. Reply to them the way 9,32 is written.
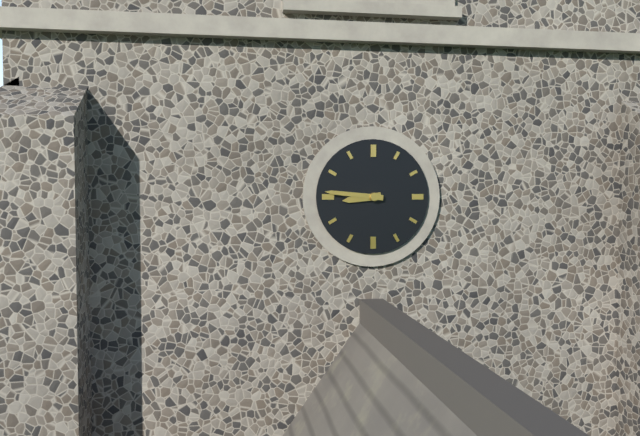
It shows 8,46
